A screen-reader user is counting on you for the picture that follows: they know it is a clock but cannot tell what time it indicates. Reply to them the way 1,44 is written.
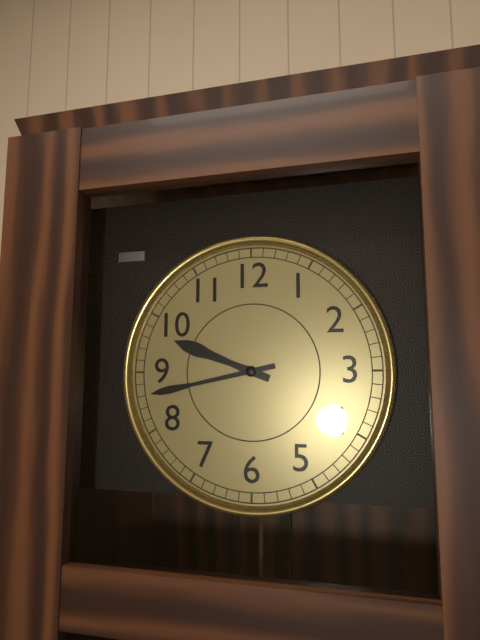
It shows 9,43
